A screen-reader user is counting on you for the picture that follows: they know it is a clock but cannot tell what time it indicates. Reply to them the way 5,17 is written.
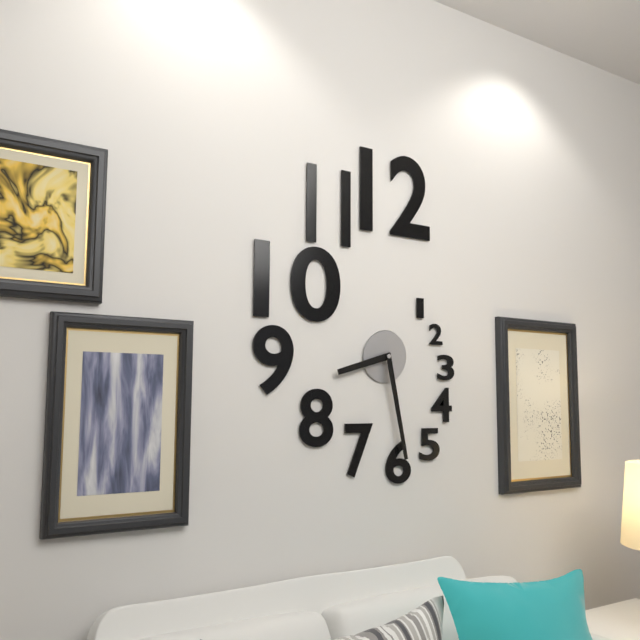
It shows 8,28
